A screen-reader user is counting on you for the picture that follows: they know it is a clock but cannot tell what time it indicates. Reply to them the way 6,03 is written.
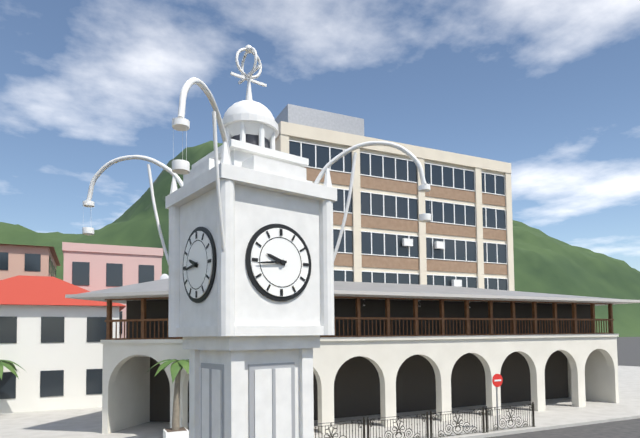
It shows 9,44
